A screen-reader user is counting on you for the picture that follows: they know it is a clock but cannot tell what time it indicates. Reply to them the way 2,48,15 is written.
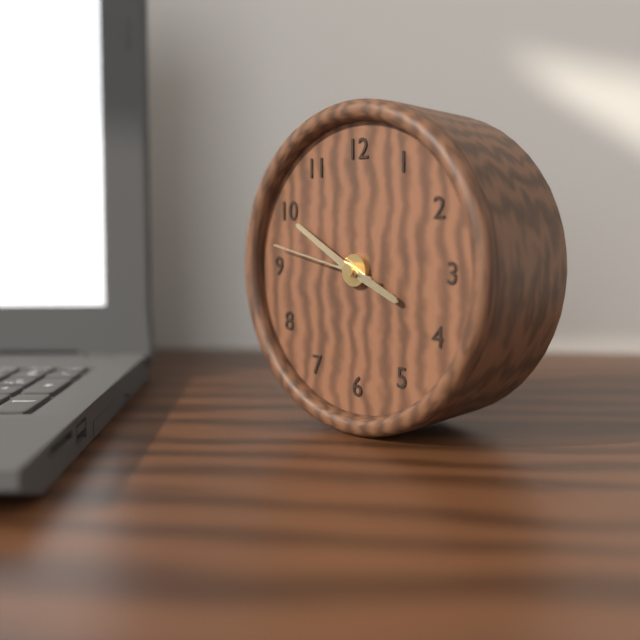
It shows 3,50,47
